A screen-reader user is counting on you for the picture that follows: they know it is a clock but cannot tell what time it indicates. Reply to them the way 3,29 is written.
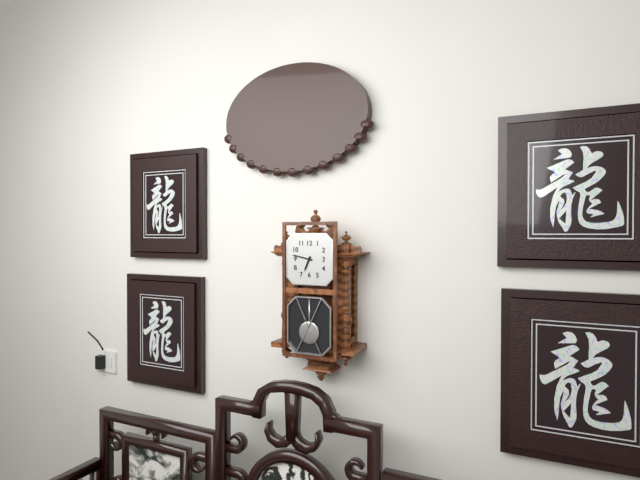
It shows 6,47
